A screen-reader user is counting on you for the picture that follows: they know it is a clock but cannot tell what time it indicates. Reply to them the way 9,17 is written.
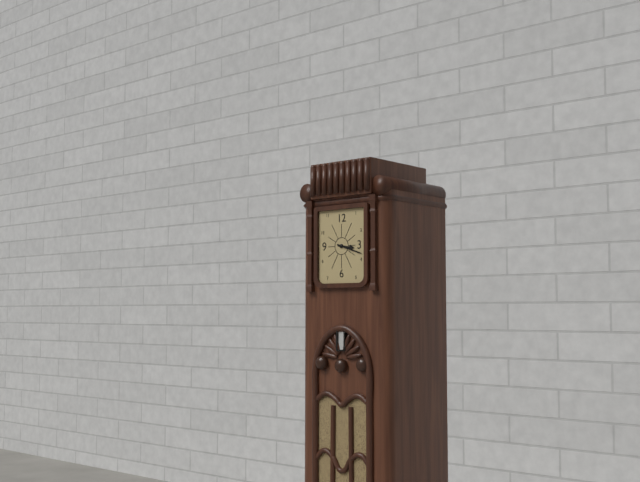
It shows 3,18
